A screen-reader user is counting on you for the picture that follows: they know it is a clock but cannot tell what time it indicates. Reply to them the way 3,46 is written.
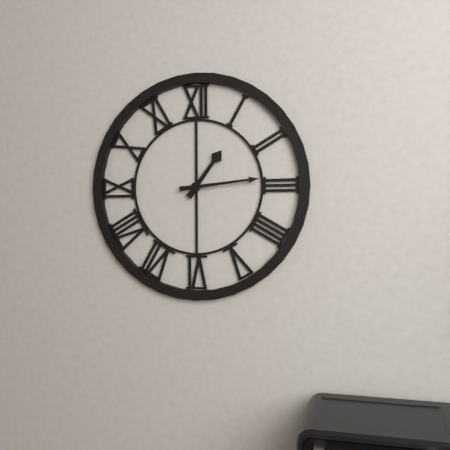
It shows 1,14
